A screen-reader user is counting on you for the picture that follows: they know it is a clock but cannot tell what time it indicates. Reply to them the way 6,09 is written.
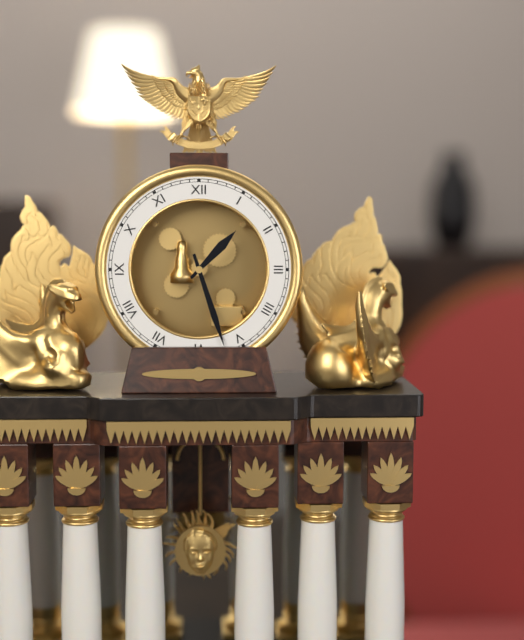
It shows 1,27
